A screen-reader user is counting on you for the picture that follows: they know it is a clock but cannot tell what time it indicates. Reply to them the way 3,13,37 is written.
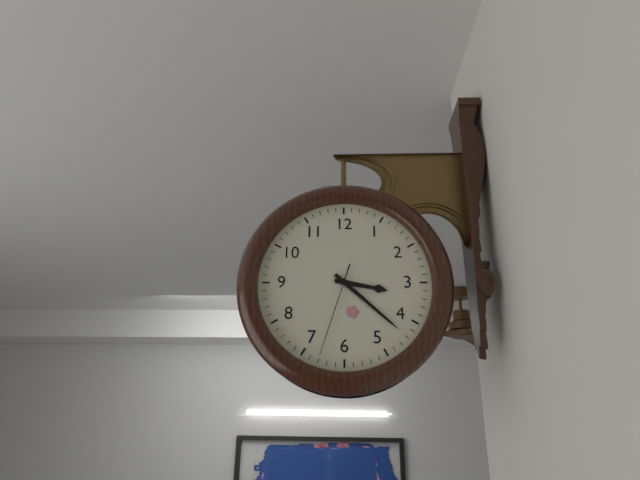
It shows 3,22,33
